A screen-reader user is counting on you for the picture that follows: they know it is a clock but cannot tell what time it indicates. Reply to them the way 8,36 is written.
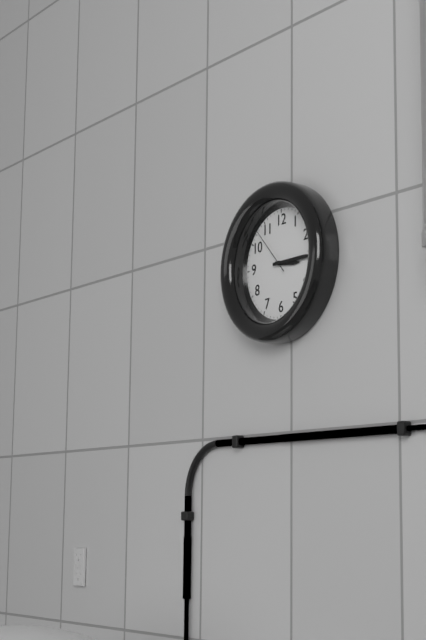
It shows 3,15
